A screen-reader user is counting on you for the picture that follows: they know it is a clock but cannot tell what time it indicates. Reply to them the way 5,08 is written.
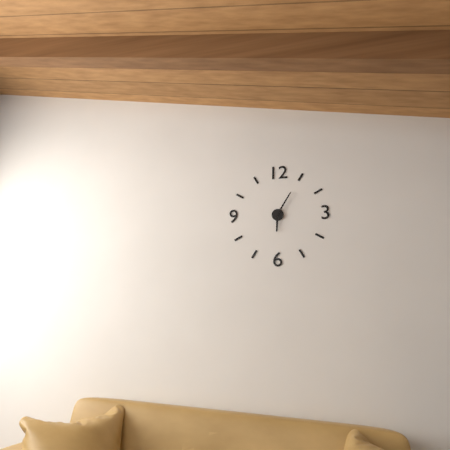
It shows 6,05
